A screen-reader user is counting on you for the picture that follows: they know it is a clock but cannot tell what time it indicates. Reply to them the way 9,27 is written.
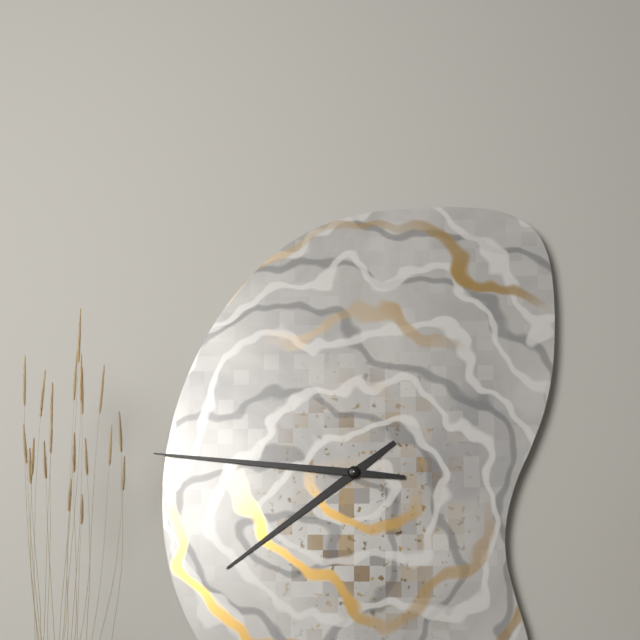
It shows 7,46
